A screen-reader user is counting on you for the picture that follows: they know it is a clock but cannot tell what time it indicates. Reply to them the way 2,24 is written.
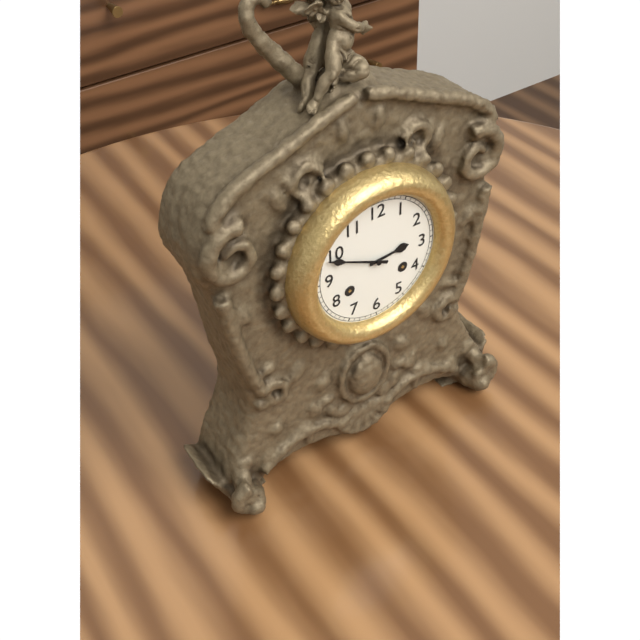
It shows 2,49
